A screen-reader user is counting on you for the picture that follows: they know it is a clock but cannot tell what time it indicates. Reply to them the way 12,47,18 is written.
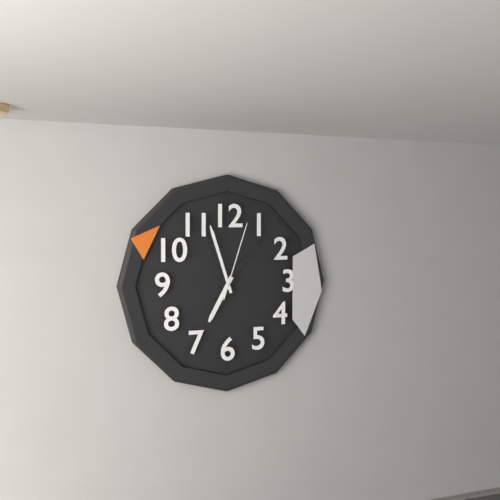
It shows 6,57,03
